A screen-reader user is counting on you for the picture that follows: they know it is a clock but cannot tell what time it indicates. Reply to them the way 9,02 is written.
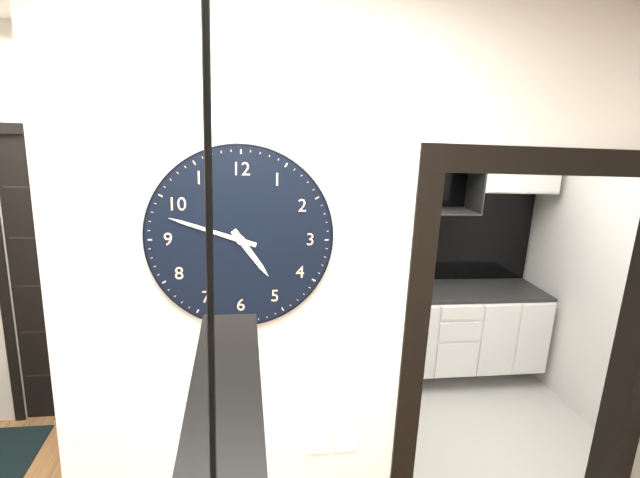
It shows 4,48
